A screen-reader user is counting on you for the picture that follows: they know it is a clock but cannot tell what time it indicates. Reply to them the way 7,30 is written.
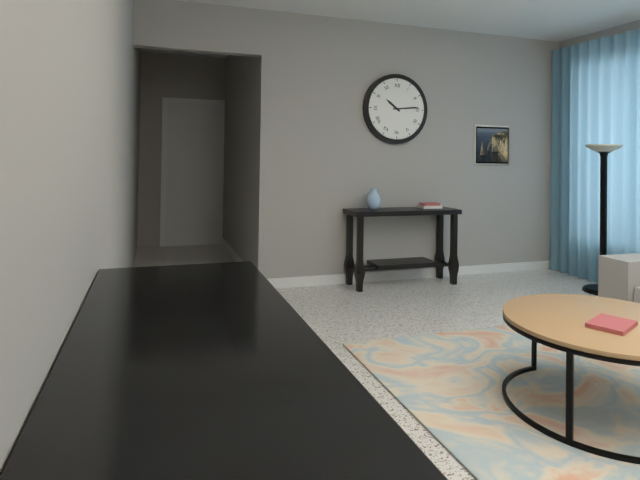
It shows 10,14
